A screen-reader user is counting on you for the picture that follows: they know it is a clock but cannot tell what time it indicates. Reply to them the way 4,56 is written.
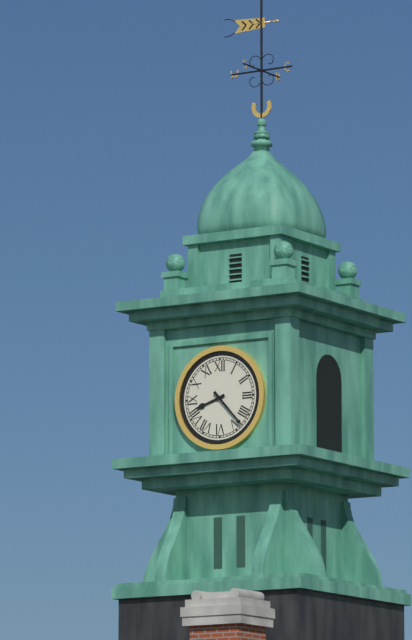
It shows 8,23
